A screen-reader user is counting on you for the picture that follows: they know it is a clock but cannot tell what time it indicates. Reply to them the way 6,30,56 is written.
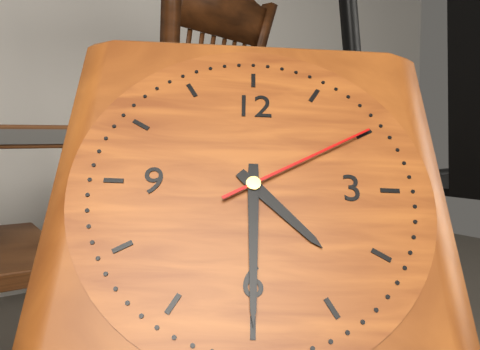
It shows 4,30,10
